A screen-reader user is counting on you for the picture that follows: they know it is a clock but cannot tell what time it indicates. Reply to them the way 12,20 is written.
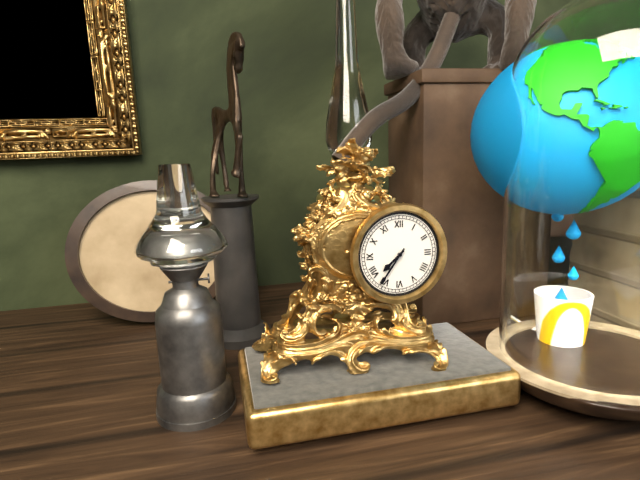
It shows 7,36
